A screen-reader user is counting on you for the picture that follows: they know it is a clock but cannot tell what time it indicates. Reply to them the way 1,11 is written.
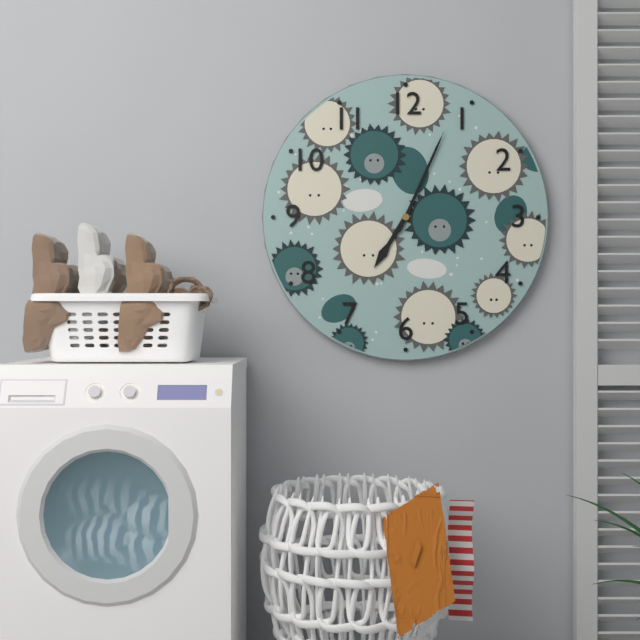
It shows 7,04
